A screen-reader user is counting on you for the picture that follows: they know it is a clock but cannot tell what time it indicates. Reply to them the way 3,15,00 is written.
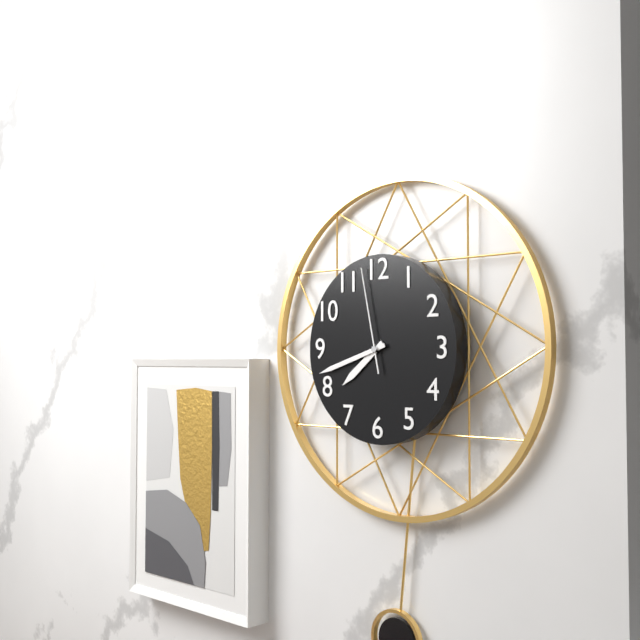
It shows 7,42,58
